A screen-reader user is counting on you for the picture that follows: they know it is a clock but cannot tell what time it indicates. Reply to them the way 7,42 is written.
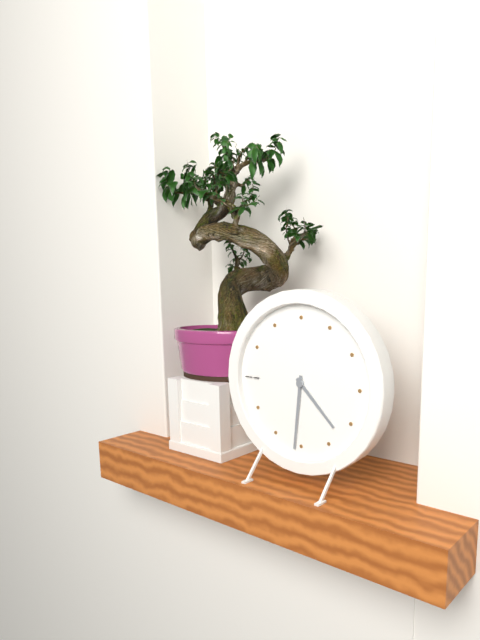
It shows 4,31
